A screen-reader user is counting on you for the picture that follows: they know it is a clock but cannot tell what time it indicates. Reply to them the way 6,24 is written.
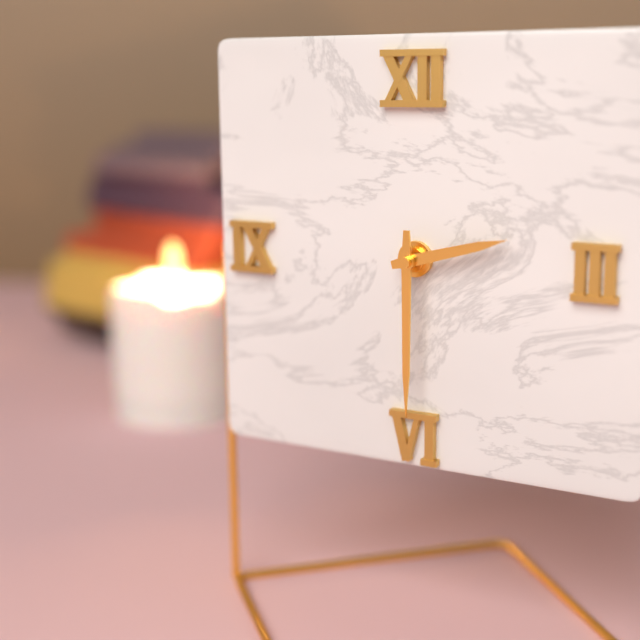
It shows 2,30
